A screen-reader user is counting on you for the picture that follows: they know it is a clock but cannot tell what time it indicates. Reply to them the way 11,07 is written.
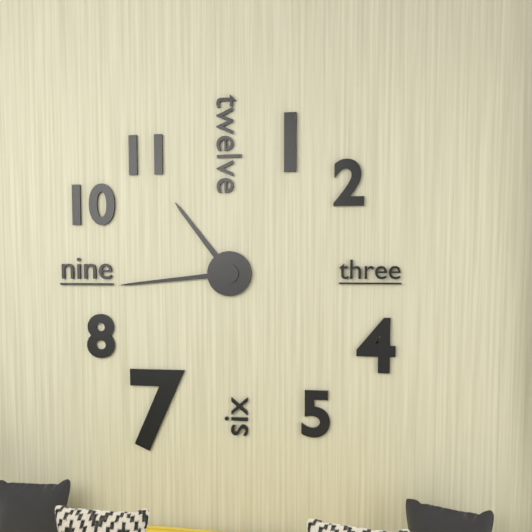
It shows 10,44
